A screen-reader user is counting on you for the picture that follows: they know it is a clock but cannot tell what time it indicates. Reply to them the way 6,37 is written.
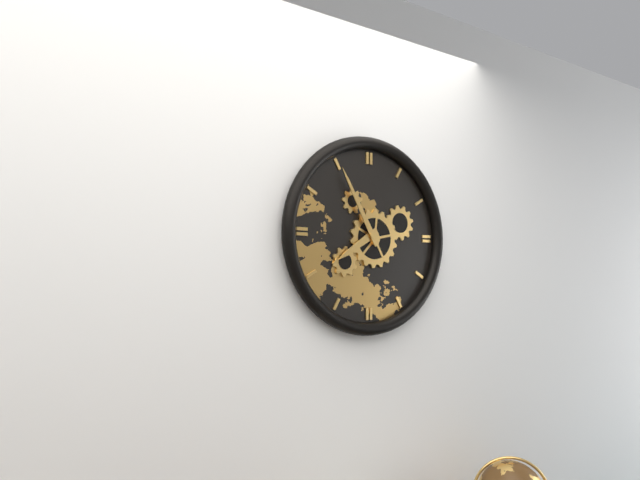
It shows 7,55
